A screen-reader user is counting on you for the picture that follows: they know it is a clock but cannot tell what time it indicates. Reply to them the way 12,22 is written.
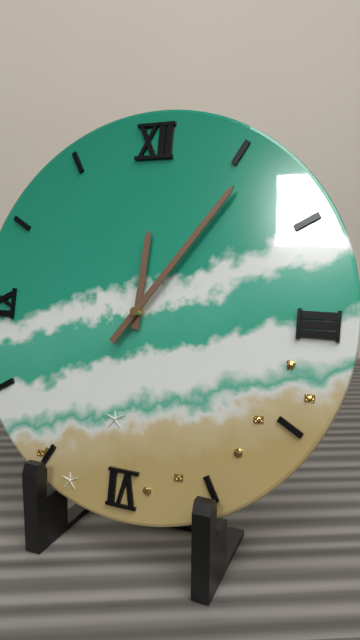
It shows 12,06
